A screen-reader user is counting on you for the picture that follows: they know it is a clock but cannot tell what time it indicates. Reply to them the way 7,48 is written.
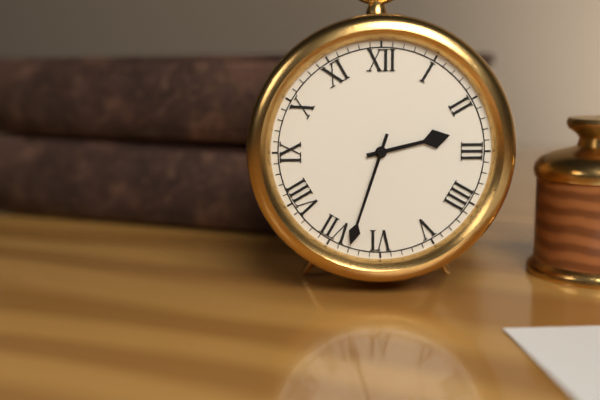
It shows 2,33
